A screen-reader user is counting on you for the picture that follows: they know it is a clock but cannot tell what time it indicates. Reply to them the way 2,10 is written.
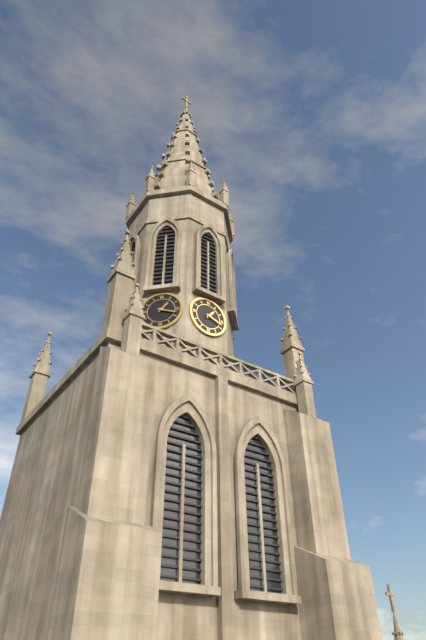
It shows 1,18
